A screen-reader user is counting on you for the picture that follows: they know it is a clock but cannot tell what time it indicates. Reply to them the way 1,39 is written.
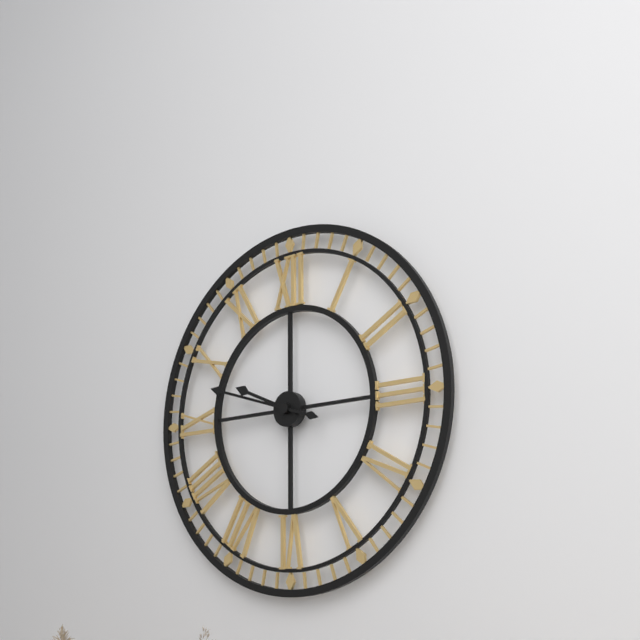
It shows 9,48
